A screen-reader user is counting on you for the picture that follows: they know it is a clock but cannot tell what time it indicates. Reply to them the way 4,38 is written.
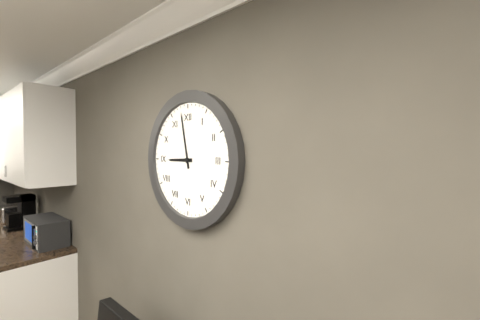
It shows 8,58
